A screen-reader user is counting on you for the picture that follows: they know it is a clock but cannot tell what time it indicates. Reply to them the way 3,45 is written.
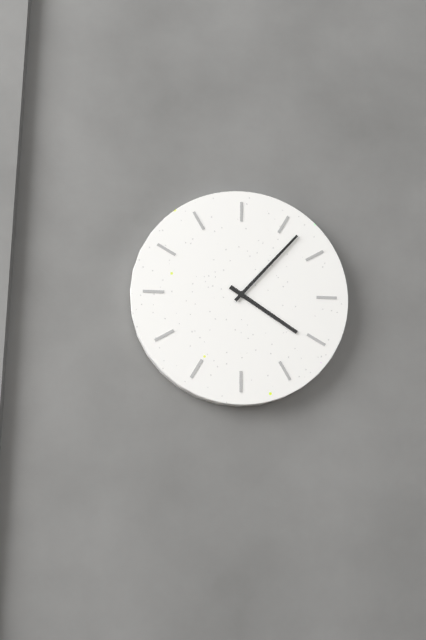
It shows 4,07
